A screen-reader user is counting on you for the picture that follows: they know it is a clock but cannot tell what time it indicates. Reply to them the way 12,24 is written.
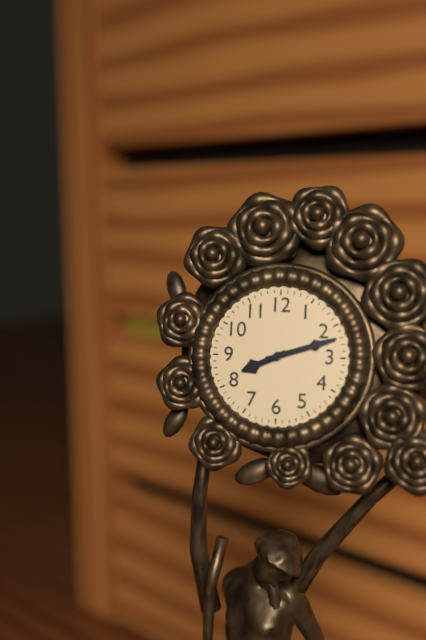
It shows 8,12
